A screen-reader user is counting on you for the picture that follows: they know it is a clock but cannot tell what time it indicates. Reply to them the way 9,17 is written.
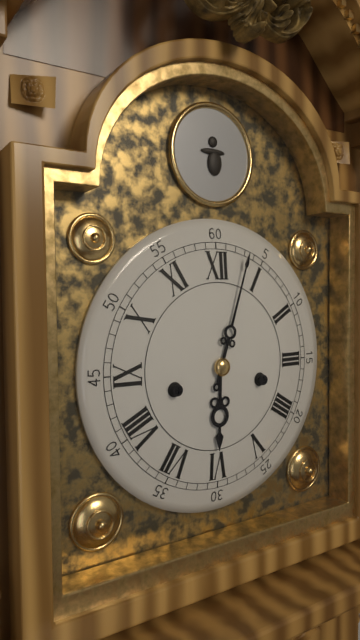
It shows 6,03
